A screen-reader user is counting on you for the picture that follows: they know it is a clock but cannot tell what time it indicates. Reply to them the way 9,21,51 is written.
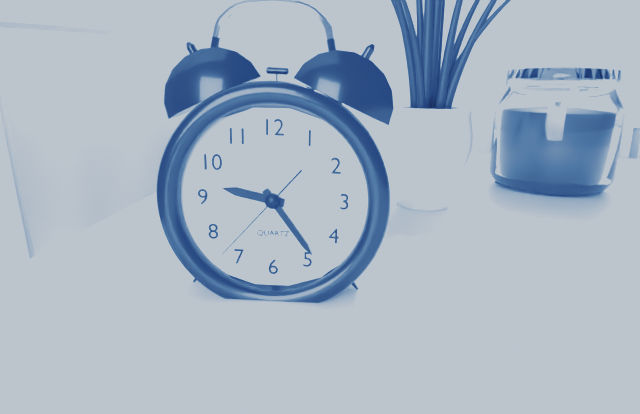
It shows 9,24,37
